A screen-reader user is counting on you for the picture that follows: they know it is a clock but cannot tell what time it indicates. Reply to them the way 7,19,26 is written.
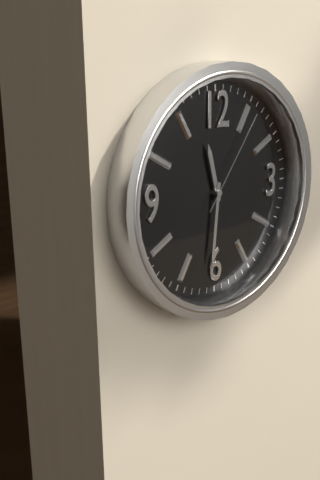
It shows 11,31,06
